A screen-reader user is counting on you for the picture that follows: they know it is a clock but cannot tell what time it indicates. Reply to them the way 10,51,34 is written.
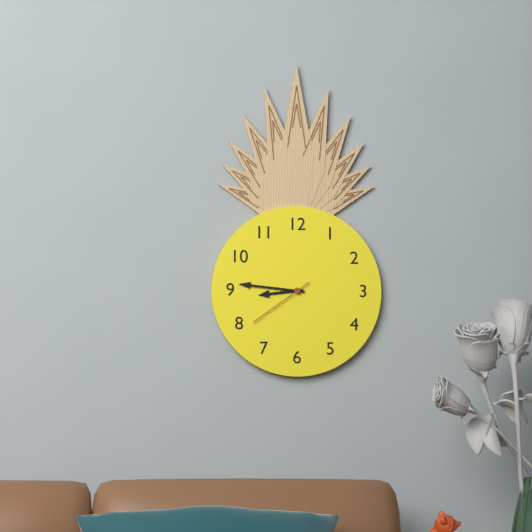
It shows 8,46,39
